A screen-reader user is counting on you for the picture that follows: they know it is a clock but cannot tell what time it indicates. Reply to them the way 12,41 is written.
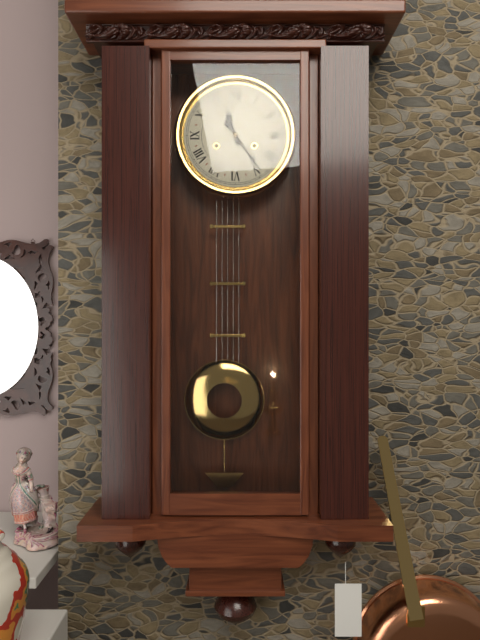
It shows 11,24
